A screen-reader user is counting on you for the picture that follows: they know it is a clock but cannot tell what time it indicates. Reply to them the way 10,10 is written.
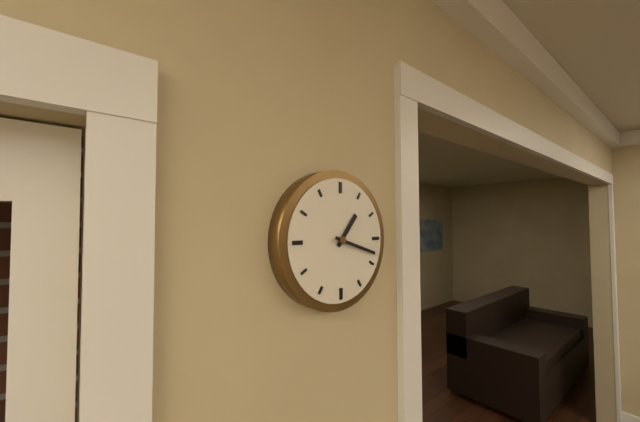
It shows 1,18
